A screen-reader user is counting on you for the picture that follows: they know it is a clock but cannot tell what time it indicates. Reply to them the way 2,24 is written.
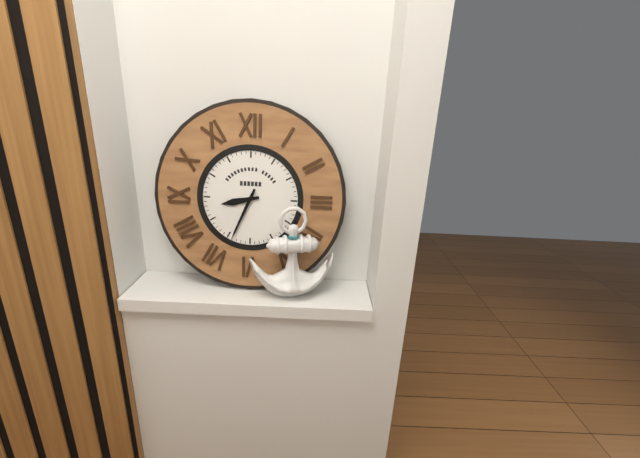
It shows 8,34
